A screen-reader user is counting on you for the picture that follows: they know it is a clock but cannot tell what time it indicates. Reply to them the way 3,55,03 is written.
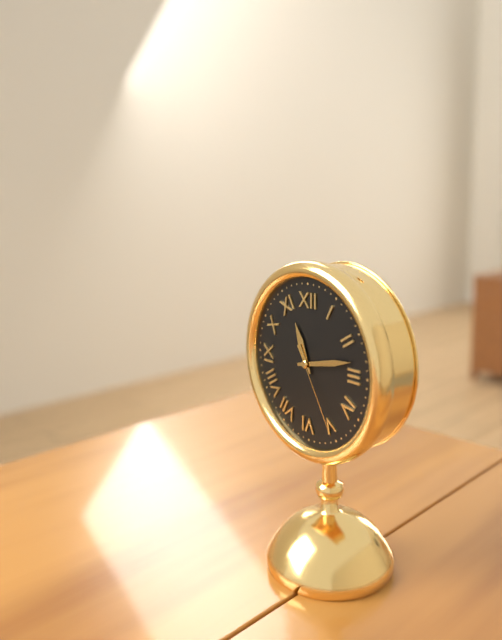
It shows 11,13,25
